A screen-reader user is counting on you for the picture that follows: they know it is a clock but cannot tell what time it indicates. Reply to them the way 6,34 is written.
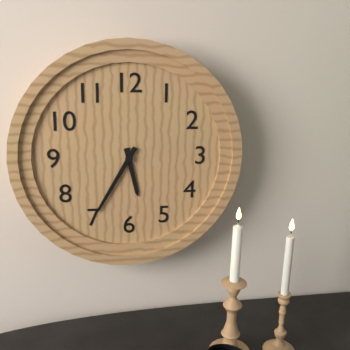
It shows 5,35
